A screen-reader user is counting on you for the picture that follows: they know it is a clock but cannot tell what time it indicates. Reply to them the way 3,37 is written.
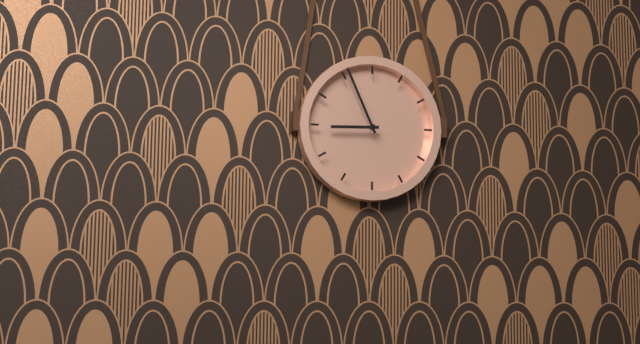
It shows 8,56
